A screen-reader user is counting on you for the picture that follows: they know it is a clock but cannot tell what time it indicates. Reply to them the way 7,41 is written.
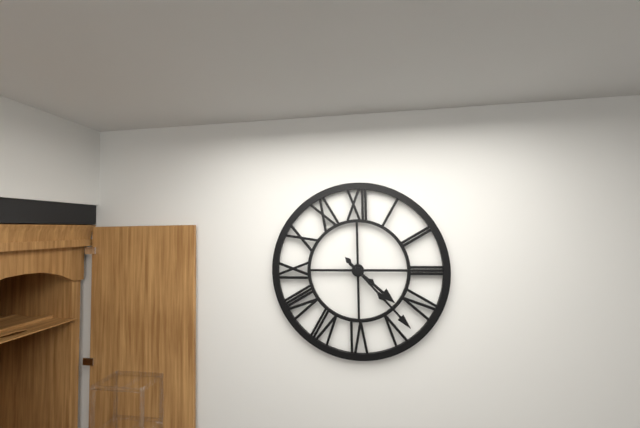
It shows 4,23
